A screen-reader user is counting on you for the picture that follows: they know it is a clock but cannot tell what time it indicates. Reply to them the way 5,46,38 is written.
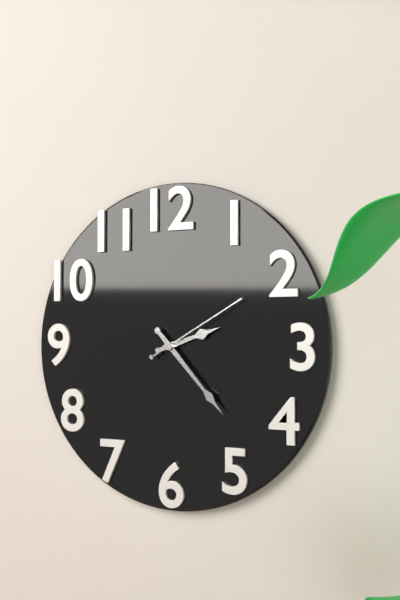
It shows 2,23,10
